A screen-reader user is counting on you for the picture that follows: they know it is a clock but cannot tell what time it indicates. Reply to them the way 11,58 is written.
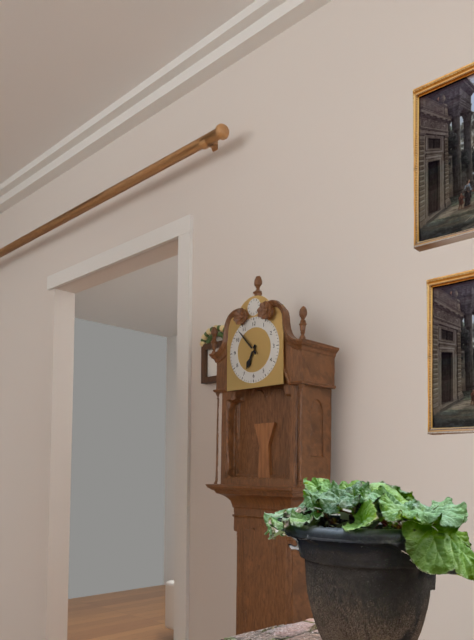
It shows 6,53
